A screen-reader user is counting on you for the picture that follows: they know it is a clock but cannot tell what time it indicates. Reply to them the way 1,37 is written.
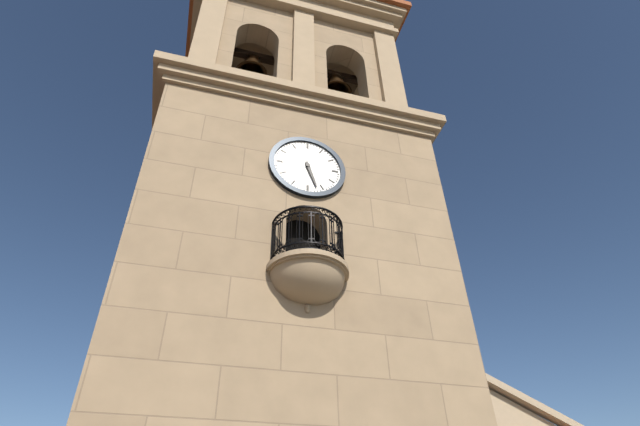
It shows 5,27
